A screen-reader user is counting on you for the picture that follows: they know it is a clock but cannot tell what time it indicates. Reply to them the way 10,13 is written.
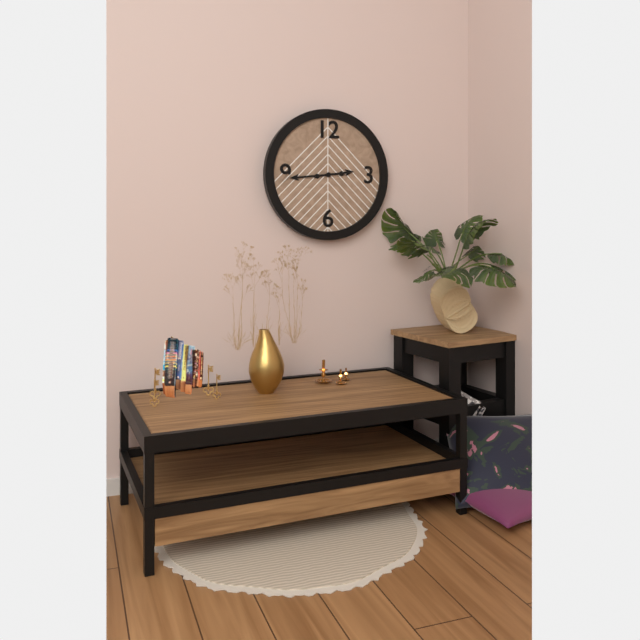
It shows 2,44
